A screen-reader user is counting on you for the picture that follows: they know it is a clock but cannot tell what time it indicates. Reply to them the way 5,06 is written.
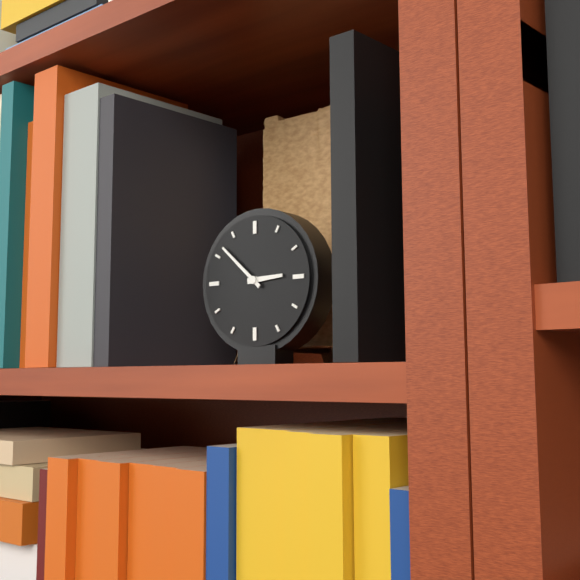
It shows 2,52
